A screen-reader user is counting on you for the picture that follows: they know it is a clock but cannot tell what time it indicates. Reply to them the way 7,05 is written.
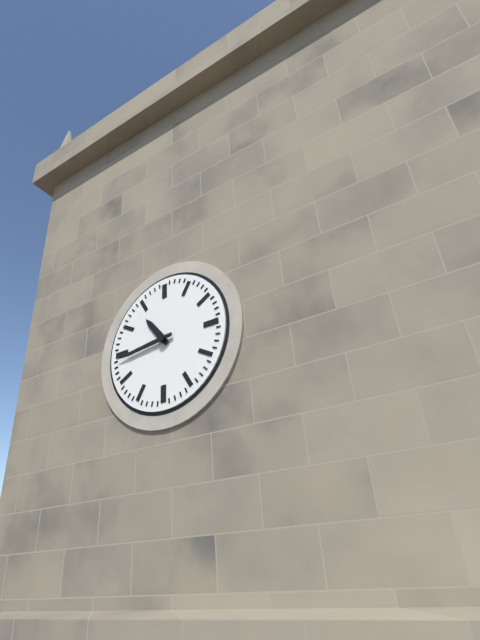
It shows 10,44
